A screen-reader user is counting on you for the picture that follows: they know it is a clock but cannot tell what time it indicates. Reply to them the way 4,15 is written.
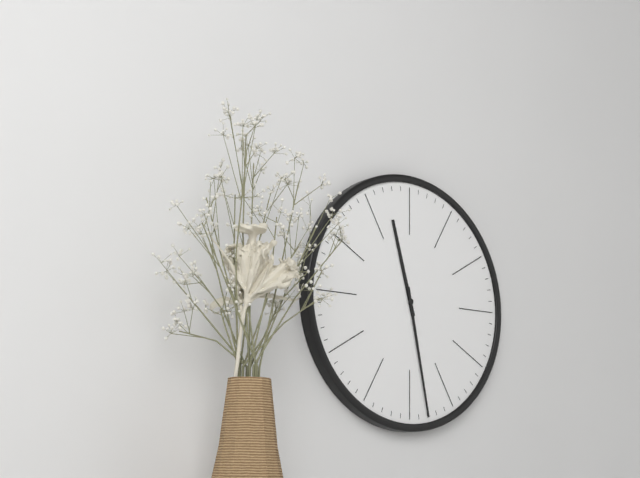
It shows 11,28
